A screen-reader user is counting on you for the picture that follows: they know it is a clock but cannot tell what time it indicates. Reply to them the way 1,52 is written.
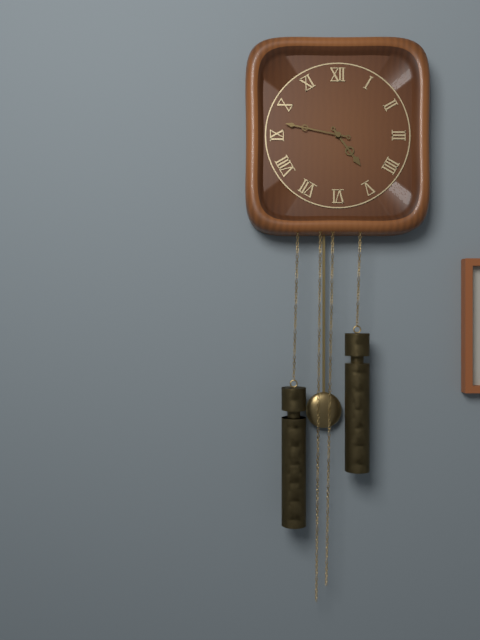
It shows 4,47
